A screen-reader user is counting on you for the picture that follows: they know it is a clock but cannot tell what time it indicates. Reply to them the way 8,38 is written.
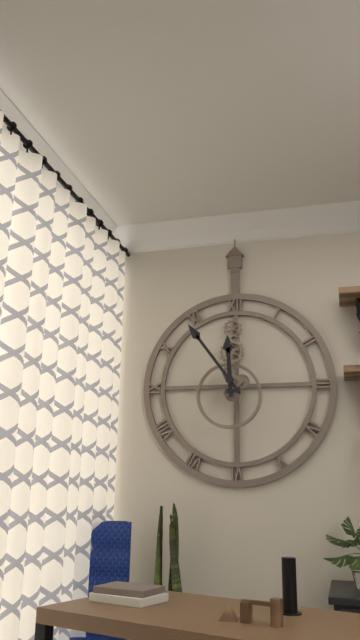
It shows 11,54
